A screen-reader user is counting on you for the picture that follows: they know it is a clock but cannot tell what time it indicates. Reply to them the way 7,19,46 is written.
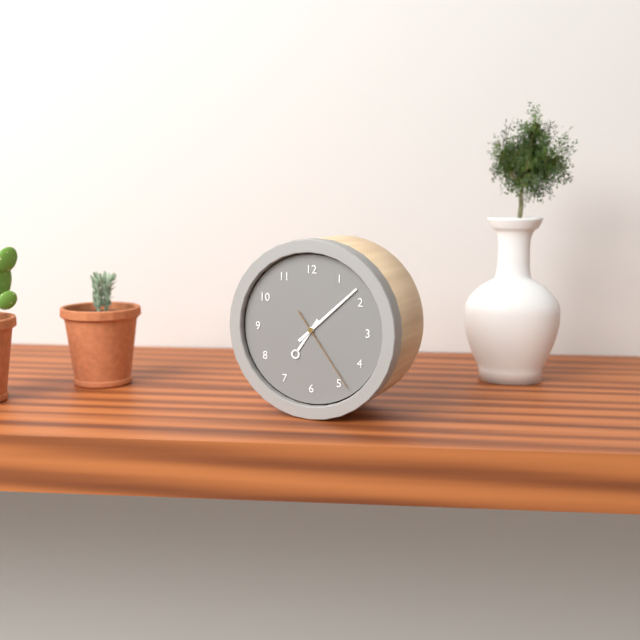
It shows 7,08,24
